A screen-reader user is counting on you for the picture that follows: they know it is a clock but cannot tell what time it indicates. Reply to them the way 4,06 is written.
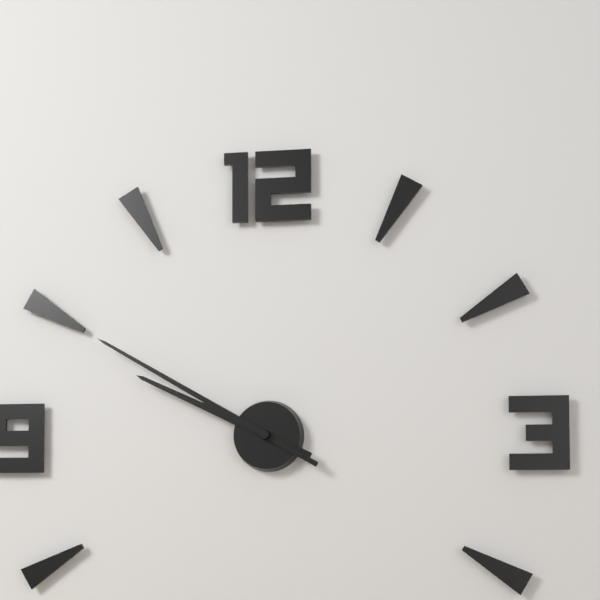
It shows 9,50
